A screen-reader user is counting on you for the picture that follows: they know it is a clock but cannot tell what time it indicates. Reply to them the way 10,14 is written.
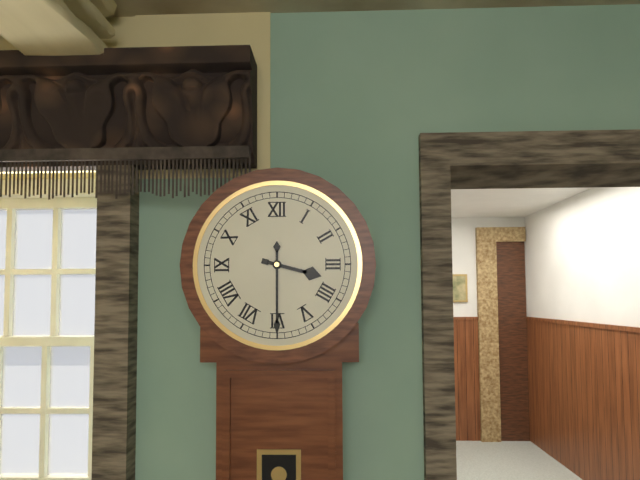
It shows 3,30
